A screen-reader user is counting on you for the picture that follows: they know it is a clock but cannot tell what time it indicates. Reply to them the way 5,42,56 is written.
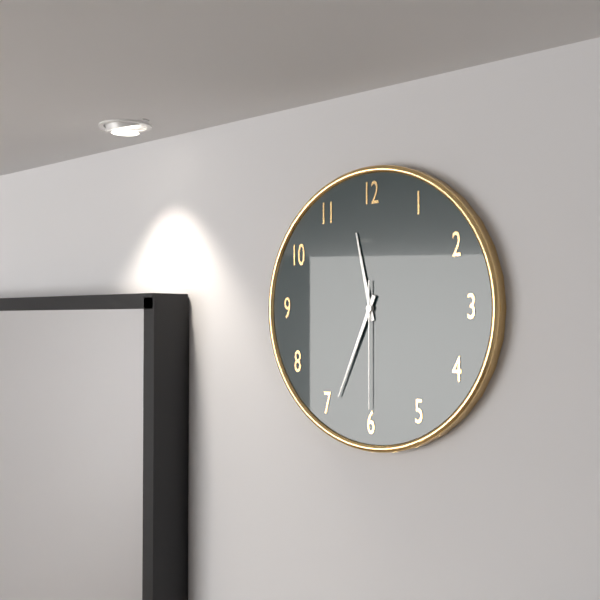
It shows 11,34,30
